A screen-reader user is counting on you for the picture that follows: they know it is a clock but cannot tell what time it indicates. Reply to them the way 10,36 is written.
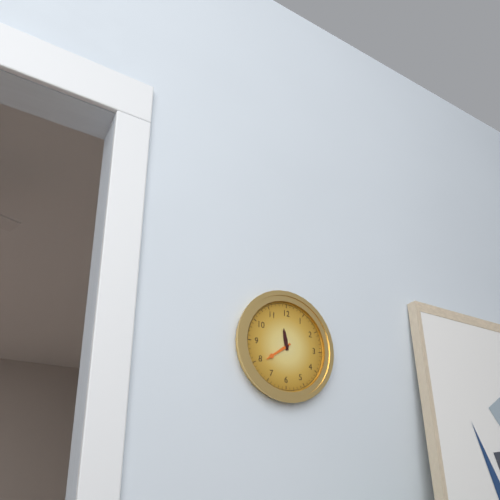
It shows 11,39
